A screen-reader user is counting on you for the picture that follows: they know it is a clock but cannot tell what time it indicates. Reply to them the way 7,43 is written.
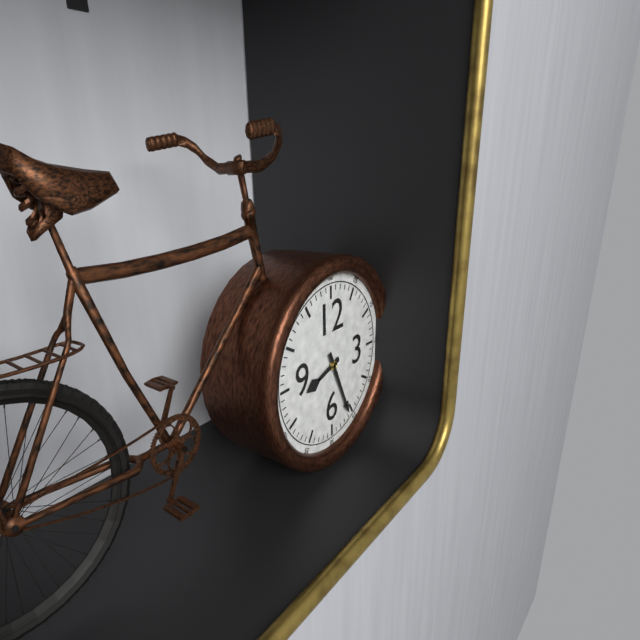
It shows 8,26
